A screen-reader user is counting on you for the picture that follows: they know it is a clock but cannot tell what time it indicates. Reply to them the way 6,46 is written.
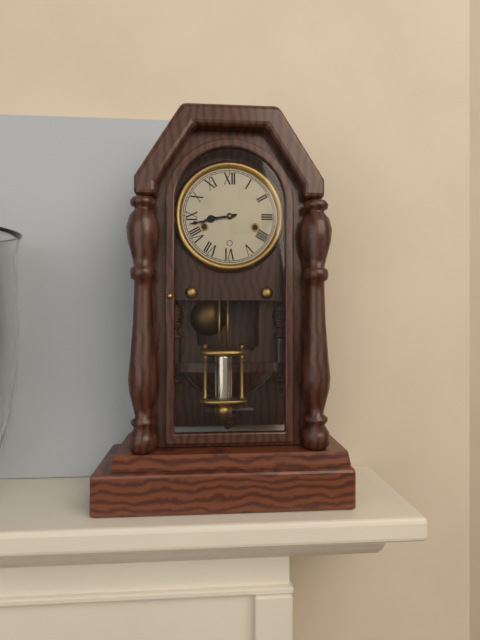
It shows 8,43
